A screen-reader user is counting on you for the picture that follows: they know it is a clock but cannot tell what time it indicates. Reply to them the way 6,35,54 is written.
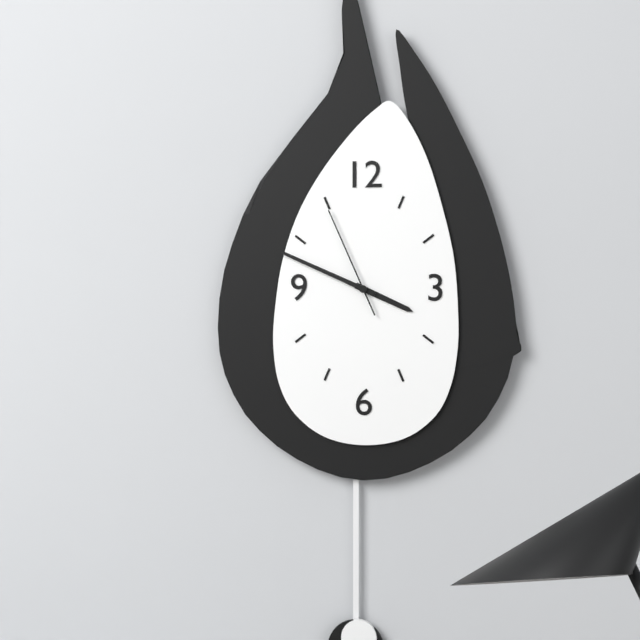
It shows 3,49,56
